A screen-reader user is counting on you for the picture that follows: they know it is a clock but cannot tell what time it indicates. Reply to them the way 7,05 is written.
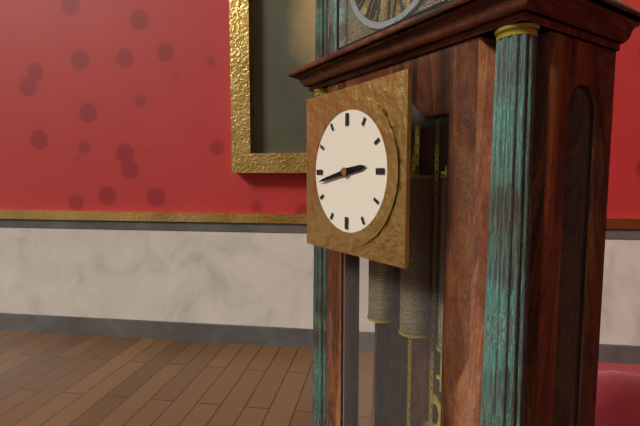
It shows 2,43
